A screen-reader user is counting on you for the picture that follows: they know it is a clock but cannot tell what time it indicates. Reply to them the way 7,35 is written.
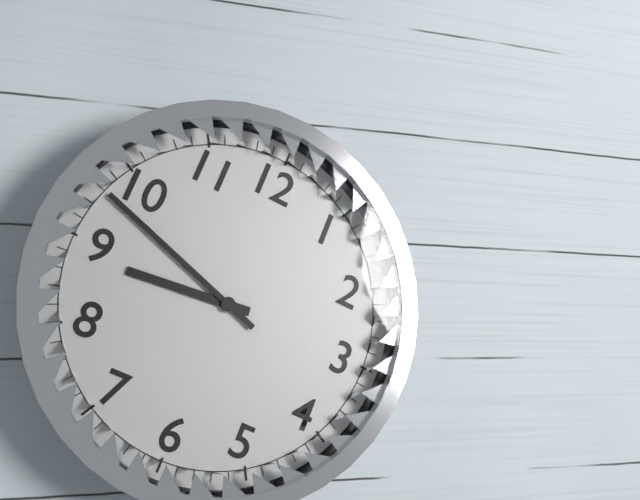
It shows 8,48
